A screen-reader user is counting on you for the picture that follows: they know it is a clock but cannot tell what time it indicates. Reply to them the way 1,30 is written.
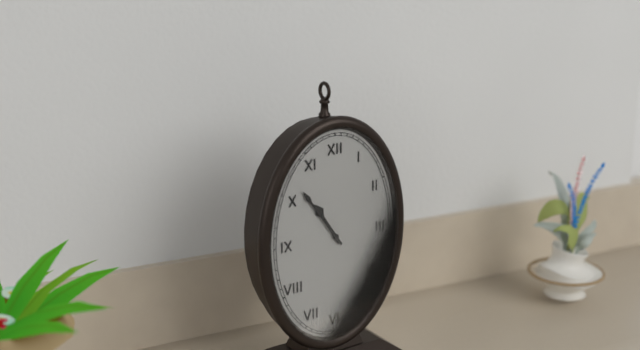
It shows 10,54
